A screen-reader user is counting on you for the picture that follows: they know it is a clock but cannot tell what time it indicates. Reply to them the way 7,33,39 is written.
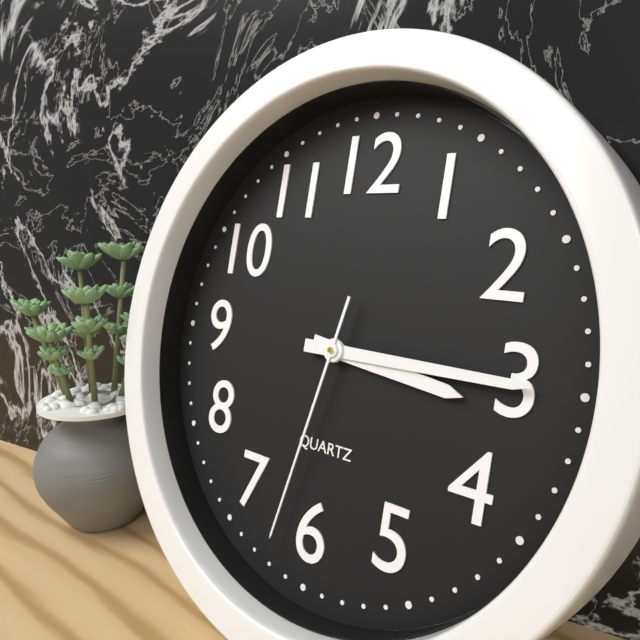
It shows 3,15,32
